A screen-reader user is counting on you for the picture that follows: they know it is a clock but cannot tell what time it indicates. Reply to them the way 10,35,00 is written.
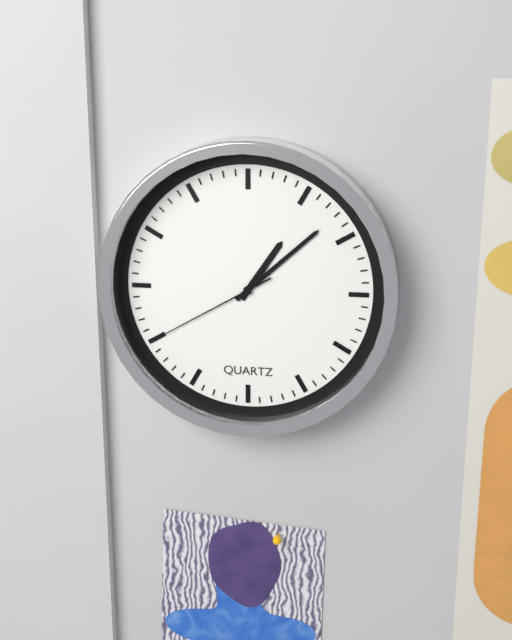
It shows 1,08,40
